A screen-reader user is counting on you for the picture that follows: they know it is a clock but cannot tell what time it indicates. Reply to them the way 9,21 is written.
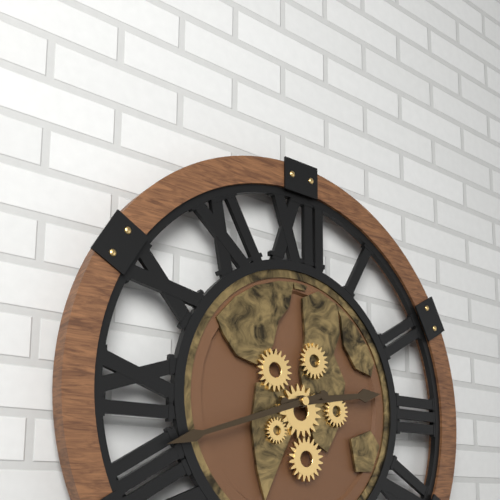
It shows 2,42
